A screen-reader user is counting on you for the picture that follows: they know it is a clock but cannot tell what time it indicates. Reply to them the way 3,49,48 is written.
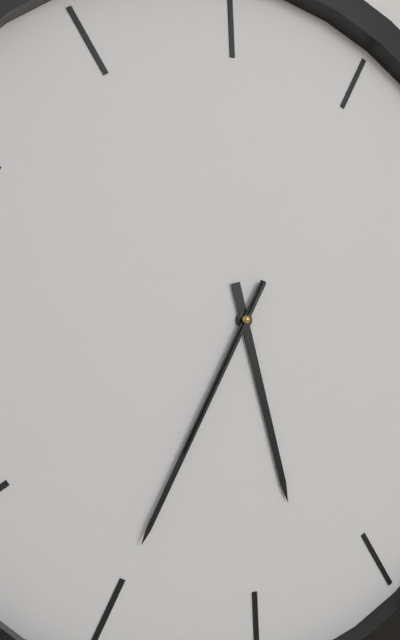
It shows 5,35,35
